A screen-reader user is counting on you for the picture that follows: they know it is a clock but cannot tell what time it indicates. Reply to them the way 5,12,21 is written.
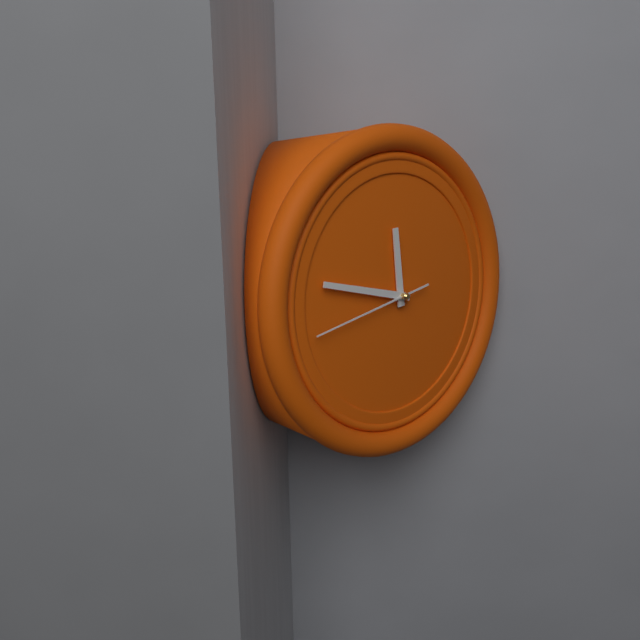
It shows 11,47,43
